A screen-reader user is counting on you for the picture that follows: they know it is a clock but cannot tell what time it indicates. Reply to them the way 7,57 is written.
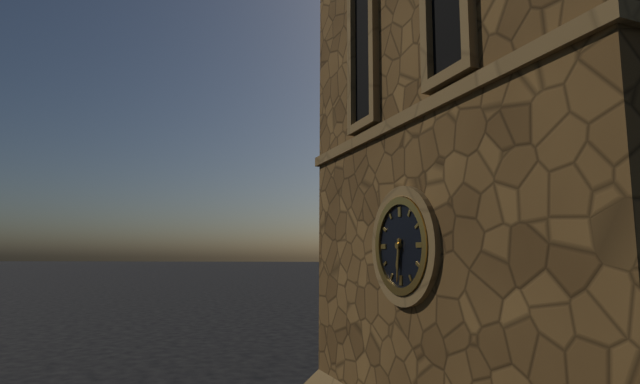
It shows 6,31
